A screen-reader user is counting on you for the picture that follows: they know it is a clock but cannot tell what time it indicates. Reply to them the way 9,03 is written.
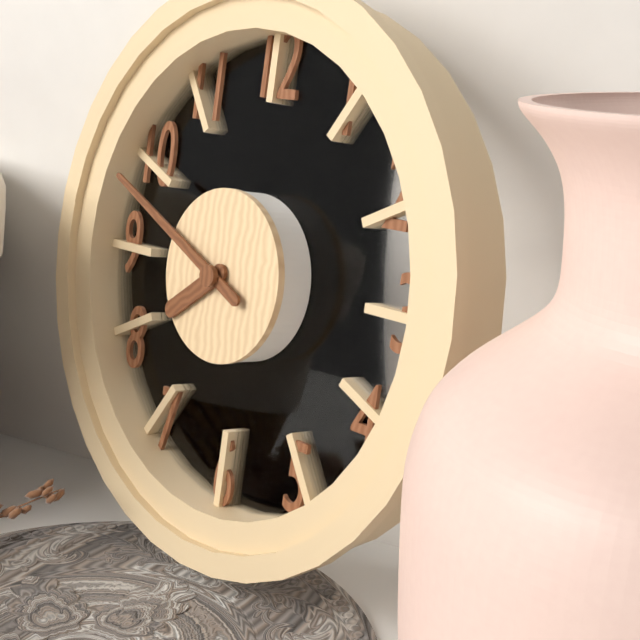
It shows 7,49
